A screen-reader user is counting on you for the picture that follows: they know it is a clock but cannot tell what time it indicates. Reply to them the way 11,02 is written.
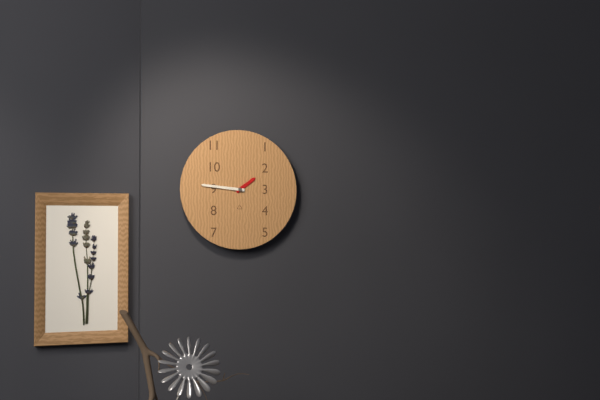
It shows 1,46
